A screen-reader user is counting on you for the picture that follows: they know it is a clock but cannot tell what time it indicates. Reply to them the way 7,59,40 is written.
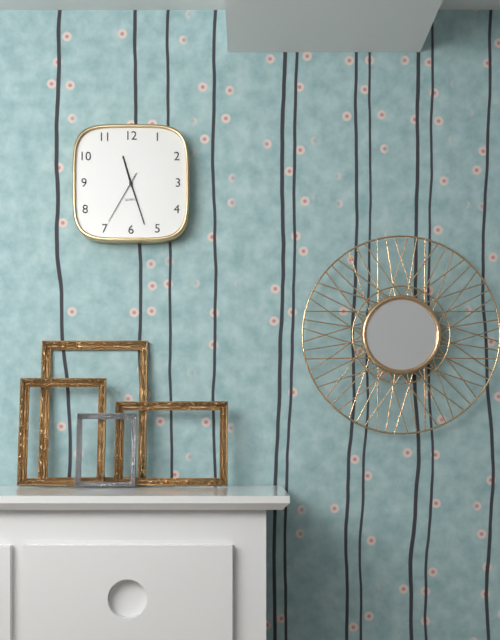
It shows 11,27,35
